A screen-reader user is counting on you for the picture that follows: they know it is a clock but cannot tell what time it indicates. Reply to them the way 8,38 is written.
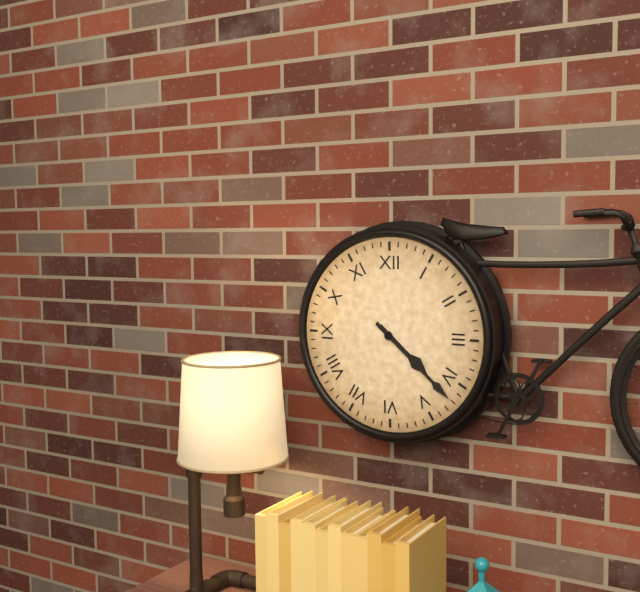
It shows 4,22
